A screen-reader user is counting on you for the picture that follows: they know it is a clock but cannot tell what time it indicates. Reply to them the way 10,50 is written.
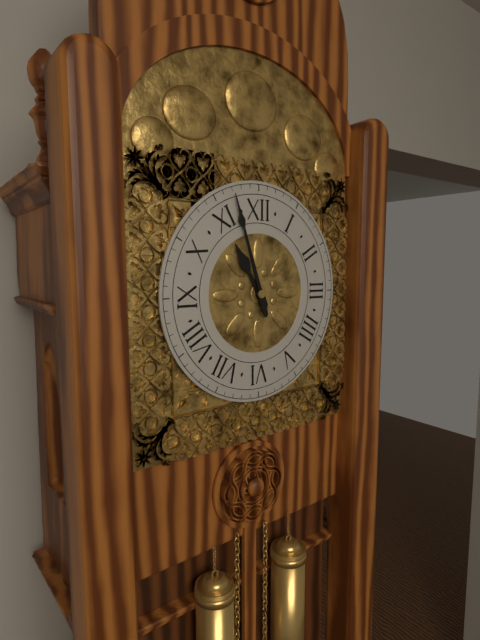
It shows 10,57
